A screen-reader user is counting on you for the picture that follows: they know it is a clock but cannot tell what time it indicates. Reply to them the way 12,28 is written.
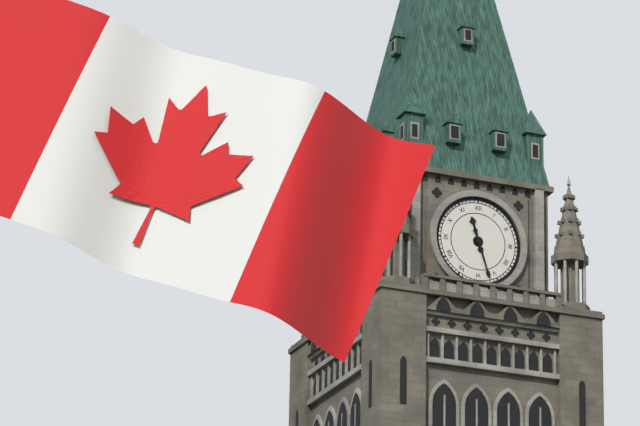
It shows 11,27
